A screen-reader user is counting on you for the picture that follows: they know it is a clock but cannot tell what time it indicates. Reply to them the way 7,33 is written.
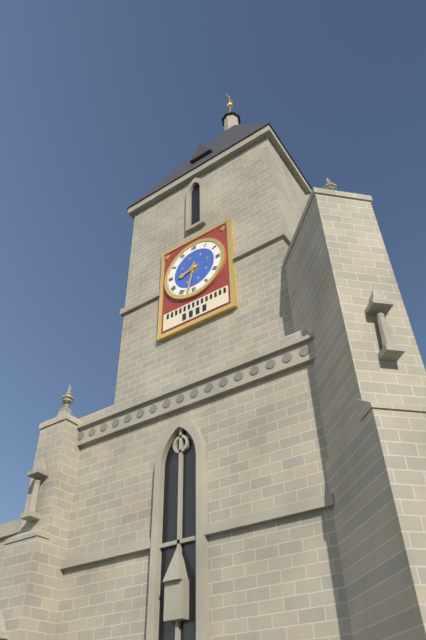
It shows 8,32
